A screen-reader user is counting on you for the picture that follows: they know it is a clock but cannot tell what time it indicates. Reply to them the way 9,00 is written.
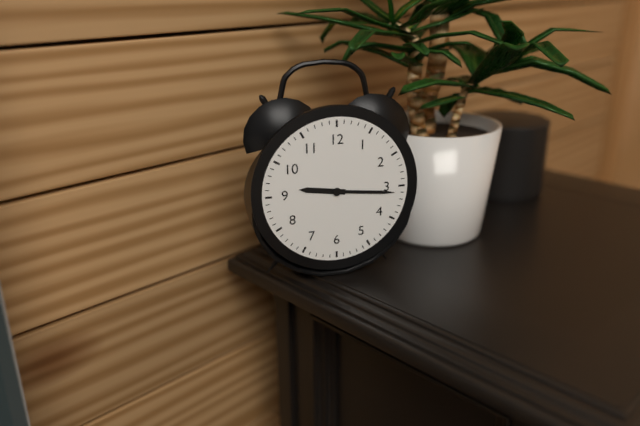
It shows 9,16
